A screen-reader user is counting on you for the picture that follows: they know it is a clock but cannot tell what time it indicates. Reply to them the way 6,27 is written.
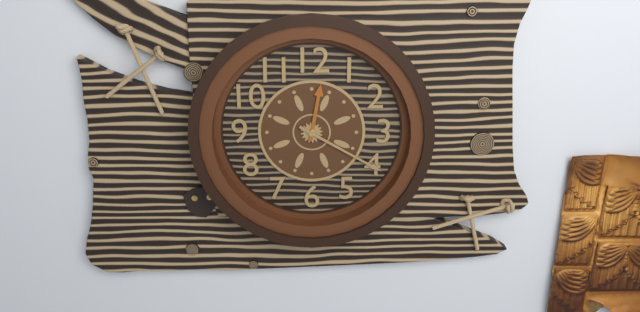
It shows 12,20
